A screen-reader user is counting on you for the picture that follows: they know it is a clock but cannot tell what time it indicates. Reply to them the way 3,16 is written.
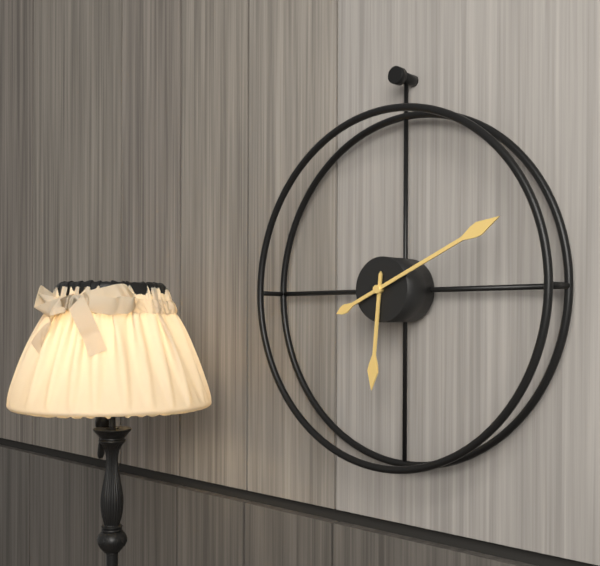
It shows 6,11
